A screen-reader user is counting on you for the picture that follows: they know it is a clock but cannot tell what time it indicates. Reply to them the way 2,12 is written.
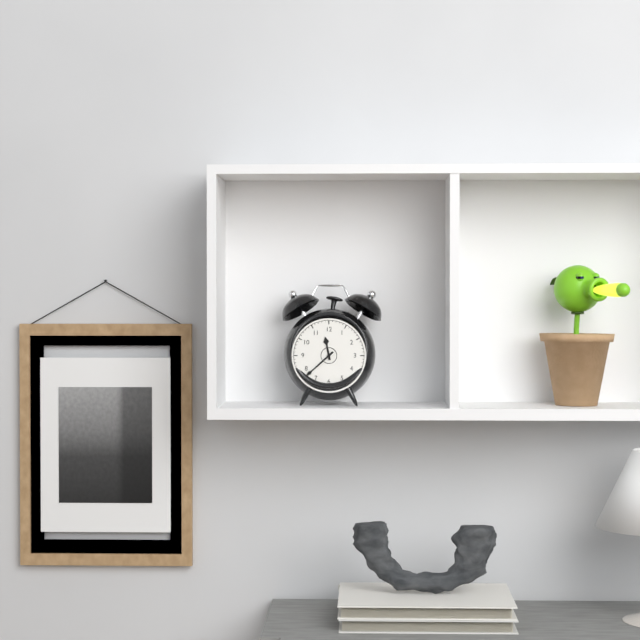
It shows 11,38
